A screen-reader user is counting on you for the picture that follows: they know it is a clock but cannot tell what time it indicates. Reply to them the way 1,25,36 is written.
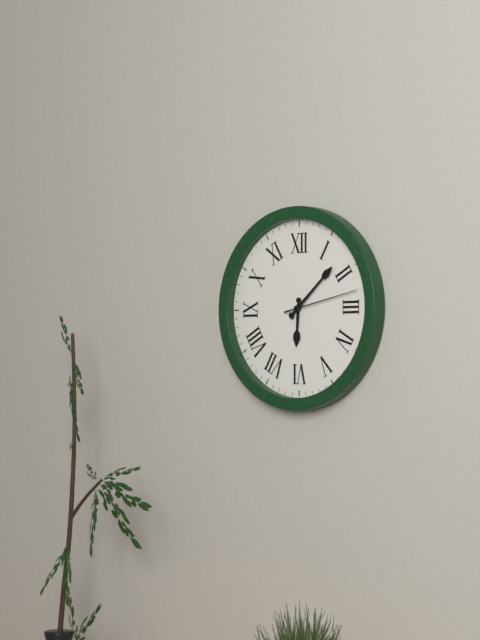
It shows 6,08,13
